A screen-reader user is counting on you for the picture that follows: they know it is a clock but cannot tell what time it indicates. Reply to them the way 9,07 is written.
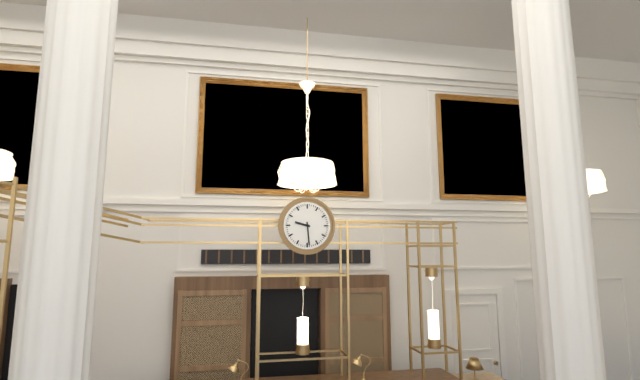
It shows 9,29
